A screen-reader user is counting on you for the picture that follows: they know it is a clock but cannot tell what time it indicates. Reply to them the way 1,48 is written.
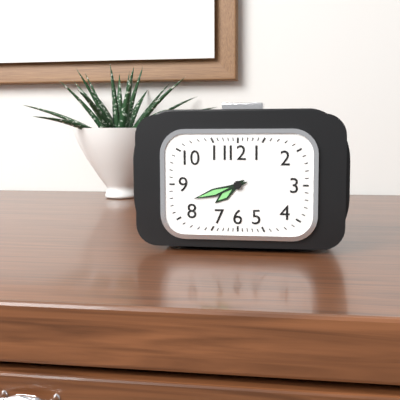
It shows 7,42
